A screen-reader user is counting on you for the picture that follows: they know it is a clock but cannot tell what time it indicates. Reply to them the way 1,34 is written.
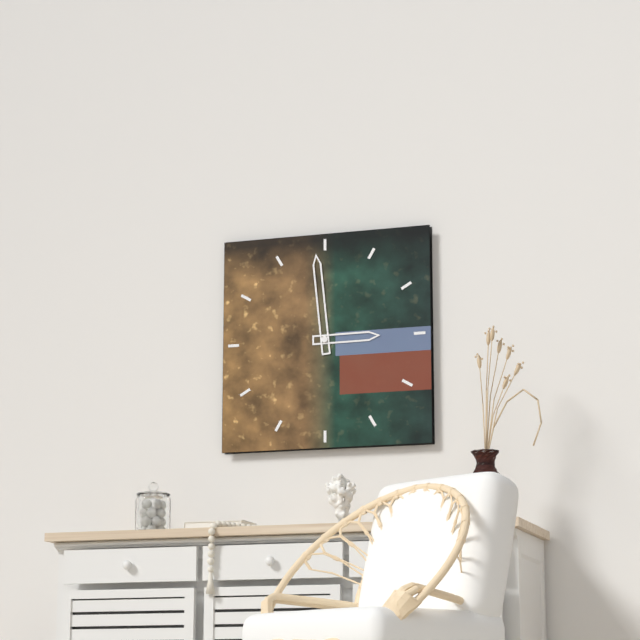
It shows 2,59
